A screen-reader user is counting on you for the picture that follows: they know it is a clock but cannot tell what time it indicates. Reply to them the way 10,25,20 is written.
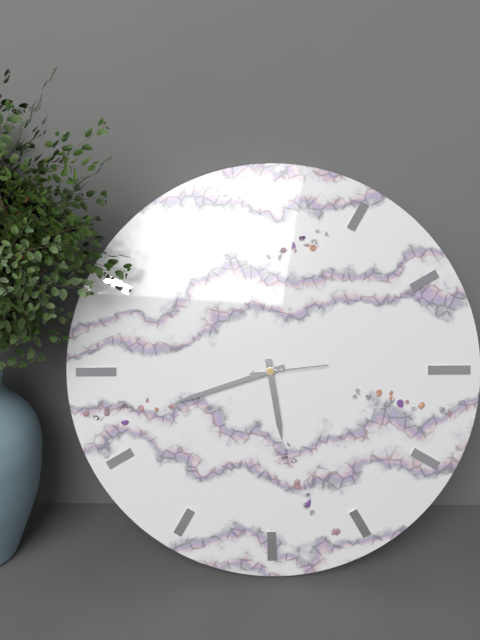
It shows 5,42,14
